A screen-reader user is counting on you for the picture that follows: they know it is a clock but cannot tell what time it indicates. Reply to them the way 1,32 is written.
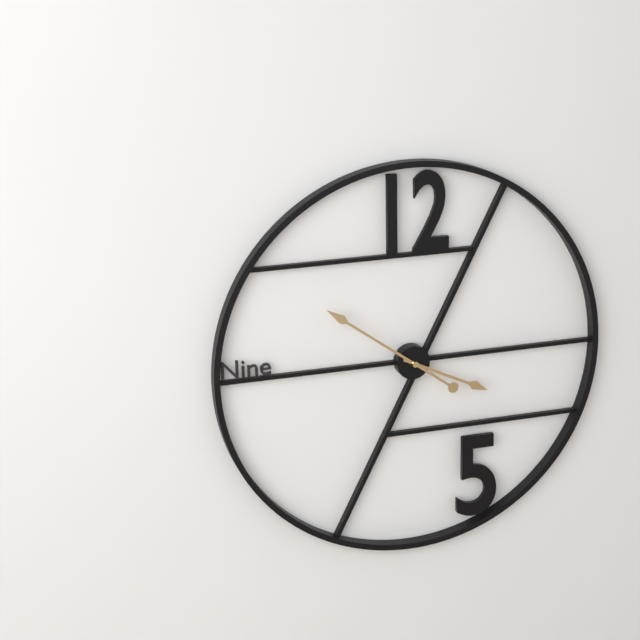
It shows 3,51
